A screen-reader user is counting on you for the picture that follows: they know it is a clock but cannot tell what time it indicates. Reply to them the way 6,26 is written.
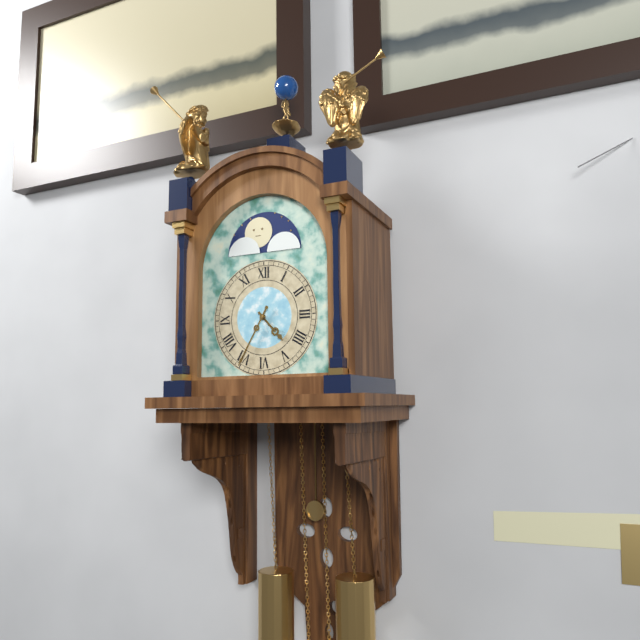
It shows 4,35
